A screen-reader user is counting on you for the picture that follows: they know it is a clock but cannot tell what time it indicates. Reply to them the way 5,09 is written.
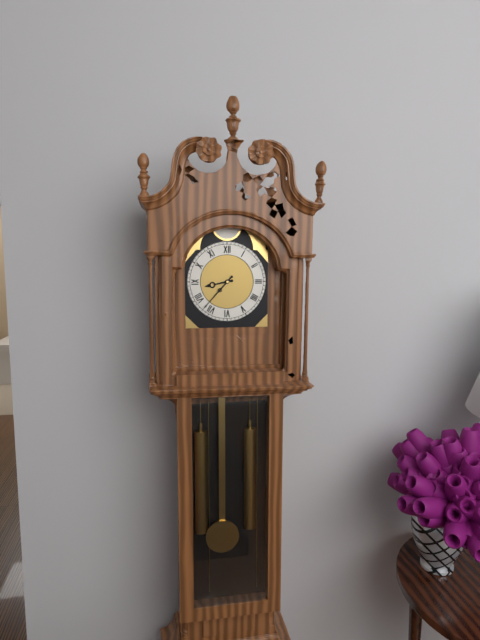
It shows 8,37
